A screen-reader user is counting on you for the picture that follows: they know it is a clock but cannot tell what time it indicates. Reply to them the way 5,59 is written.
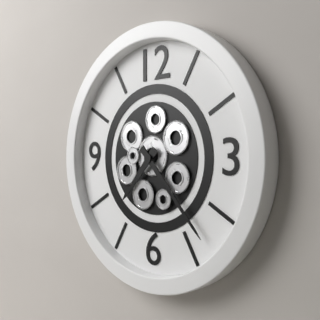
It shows 7,23
